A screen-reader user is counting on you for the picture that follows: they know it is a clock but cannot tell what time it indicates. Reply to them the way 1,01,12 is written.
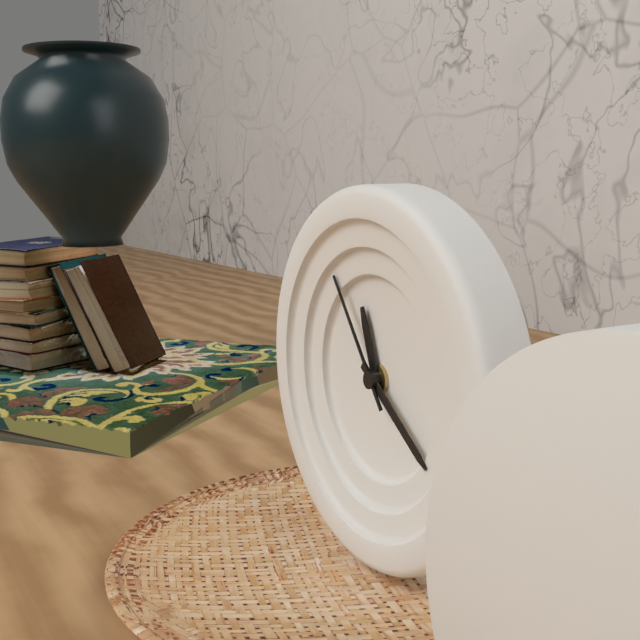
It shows 11,21,54
